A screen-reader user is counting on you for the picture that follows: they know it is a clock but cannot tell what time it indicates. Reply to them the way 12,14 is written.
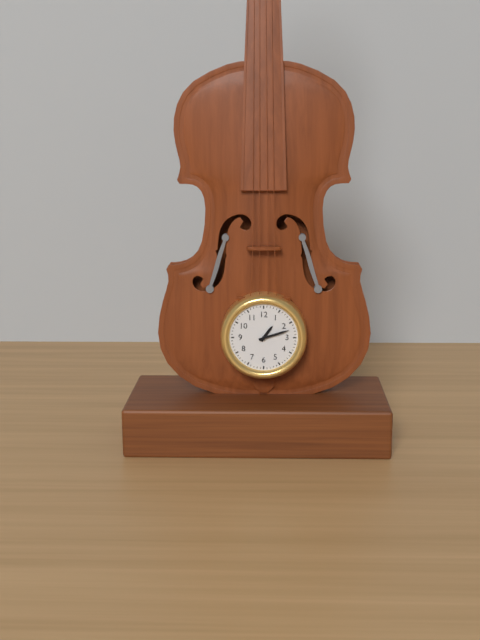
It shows 1,12
